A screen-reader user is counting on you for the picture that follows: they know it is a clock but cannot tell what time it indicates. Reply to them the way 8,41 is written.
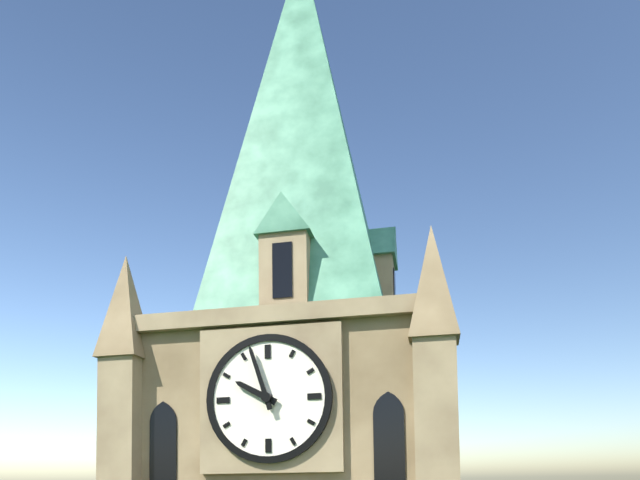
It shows 9,57
